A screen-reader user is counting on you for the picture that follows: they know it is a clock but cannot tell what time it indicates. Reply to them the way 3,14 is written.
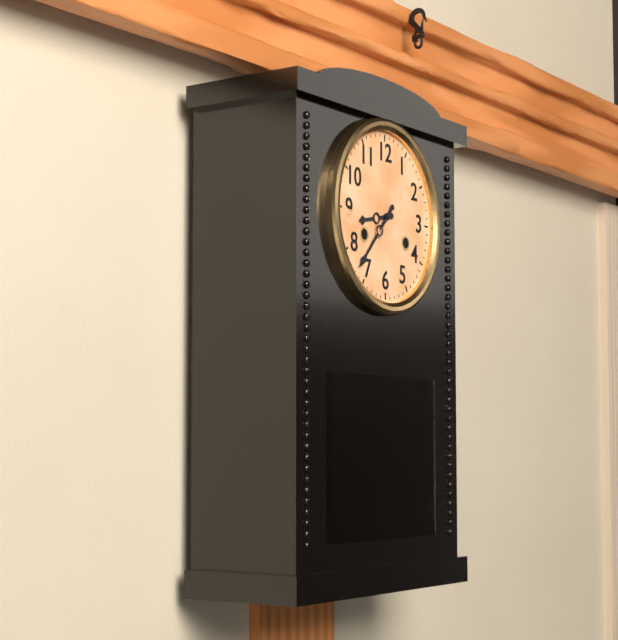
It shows 8,37
